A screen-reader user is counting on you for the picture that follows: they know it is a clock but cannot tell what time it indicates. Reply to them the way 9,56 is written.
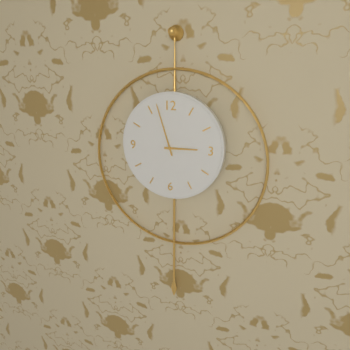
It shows 2,57
